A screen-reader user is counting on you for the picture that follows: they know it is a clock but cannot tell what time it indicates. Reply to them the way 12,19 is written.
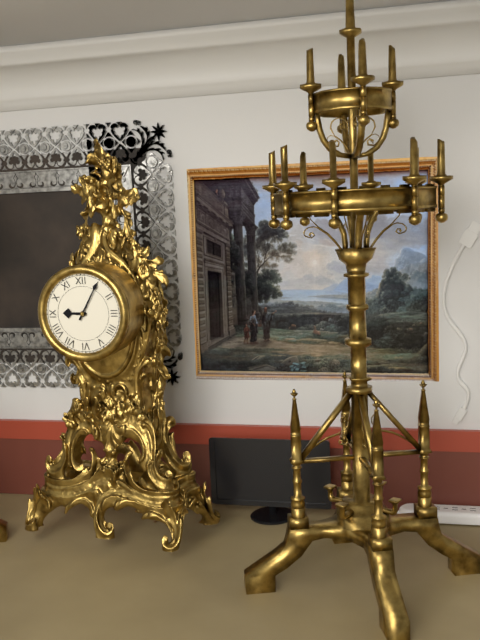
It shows 9,05
